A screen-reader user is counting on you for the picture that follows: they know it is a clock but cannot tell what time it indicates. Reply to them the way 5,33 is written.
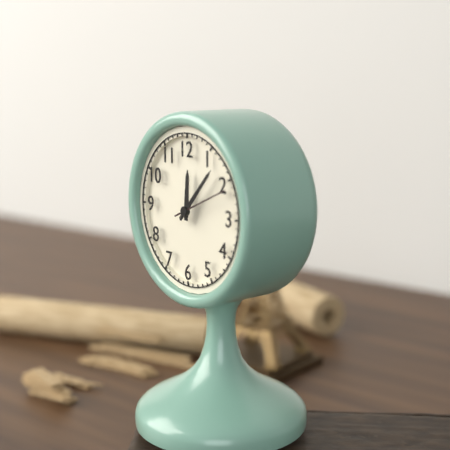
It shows 12,07
